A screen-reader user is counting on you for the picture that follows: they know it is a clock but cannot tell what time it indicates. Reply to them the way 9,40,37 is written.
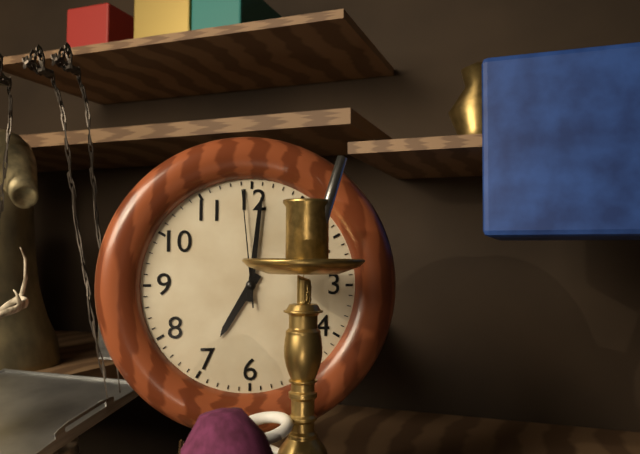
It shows 7,01,59
